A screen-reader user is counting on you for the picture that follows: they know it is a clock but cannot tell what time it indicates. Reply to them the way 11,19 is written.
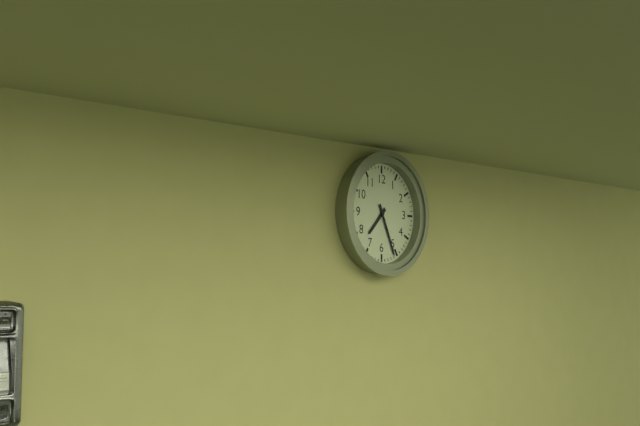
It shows 7,26
